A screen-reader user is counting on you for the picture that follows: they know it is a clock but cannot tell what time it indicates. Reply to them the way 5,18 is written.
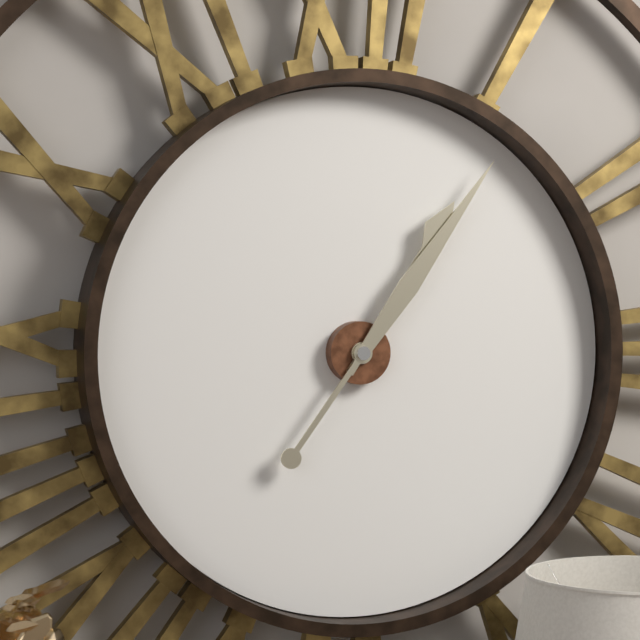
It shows 1,06
